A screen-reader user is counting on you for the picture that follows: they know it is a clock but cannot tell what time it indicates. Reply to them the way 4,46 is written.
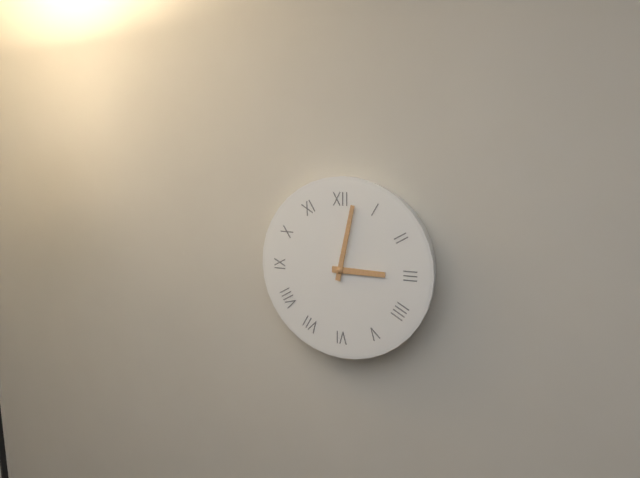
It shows 3,02
